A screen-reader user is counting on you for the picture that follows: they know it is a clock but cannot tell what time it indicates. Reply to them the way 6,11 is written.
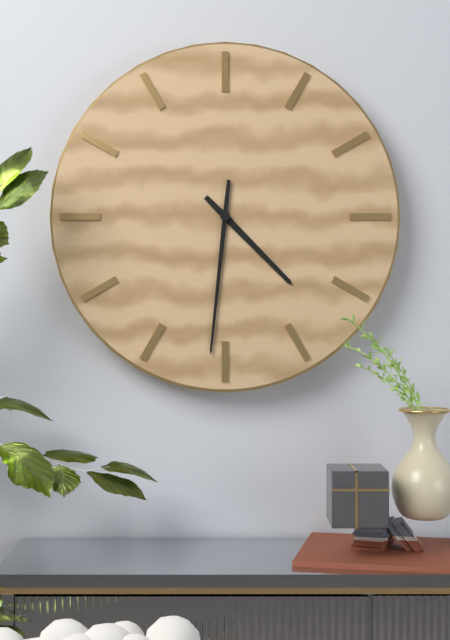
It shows 4,31
